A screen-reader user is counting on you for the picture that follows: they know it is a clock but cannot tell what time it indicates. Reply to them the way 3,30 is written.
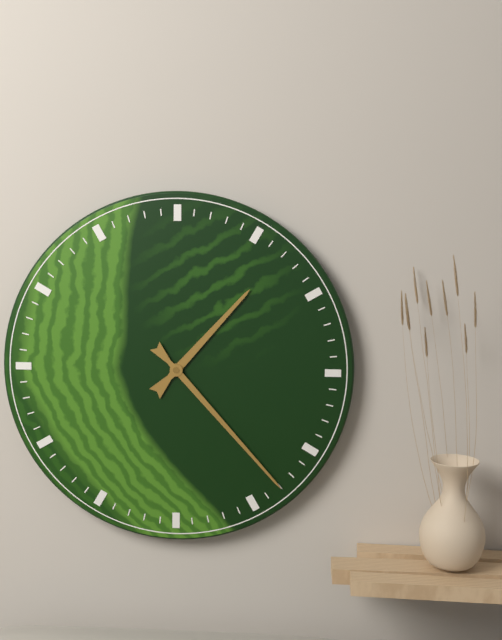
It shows 1,23
